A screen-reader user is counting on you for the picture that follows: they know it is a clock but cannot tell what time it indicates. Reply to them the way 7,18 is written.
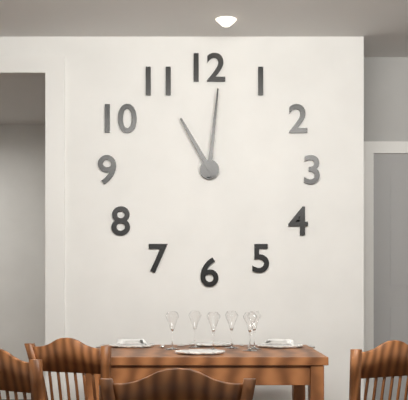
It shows 11,01
